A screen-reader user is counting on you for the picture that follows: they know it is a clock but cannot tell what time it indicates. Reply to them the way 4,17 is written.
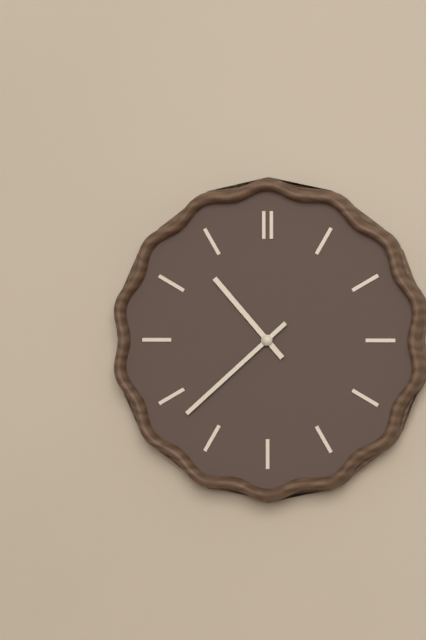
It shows 10,38
